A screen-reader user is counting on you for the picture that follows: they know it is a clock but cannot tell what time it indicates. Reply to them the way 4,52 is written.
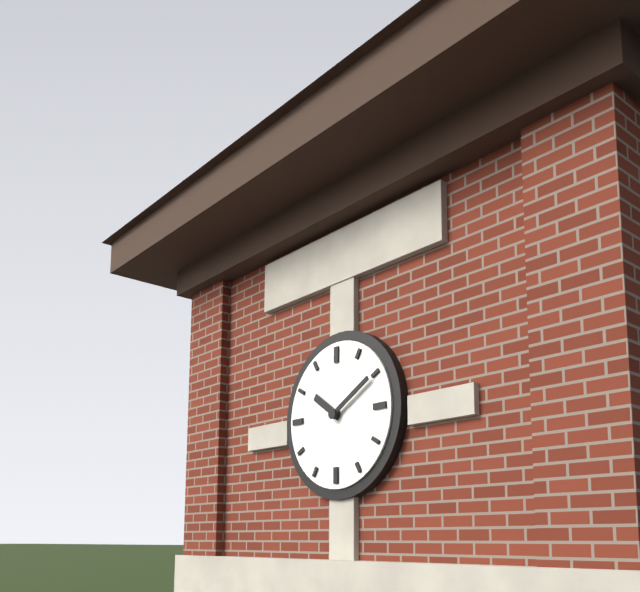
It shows 10,10
